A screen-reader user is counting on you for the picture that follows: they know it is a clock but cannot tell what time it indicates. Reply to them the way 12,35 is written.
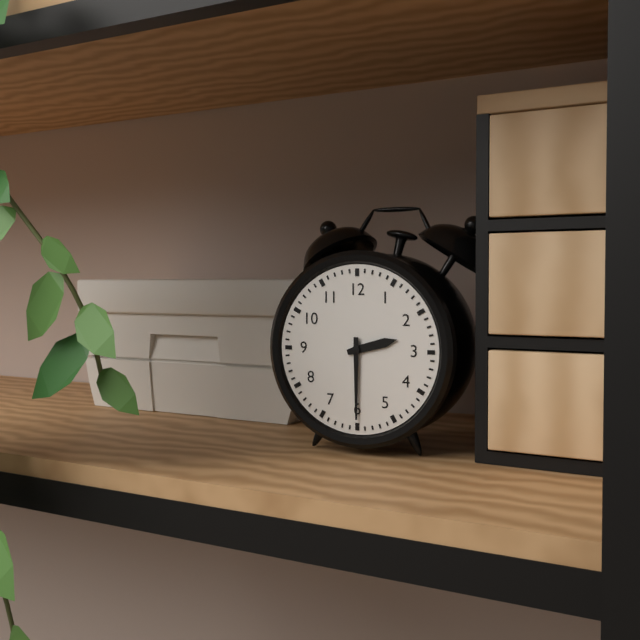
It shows 2,30
